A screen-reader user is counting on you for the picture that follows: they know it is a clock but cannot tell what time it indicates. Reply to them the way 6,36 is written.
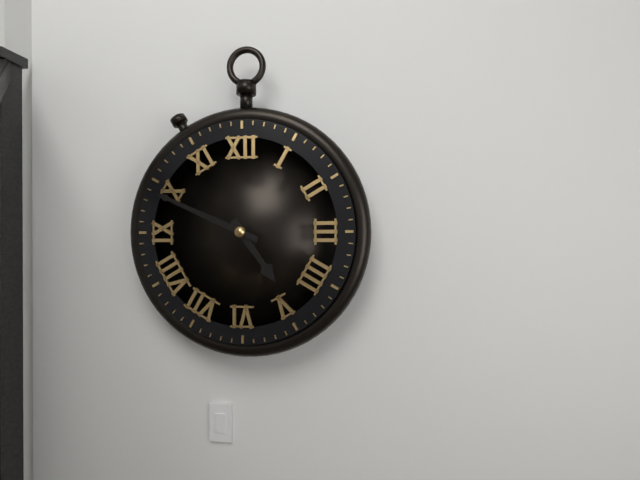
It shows 4,49
